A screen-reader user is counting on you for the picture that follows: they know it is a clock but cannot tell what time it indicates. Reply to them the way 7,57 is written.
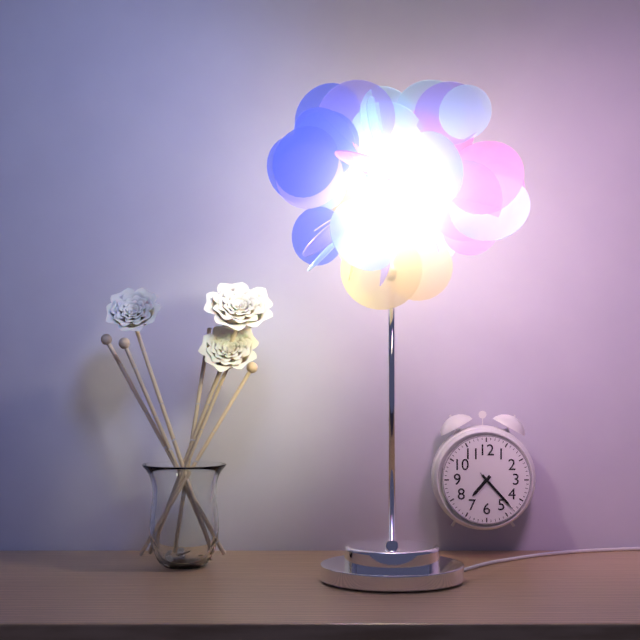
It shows 7,23
